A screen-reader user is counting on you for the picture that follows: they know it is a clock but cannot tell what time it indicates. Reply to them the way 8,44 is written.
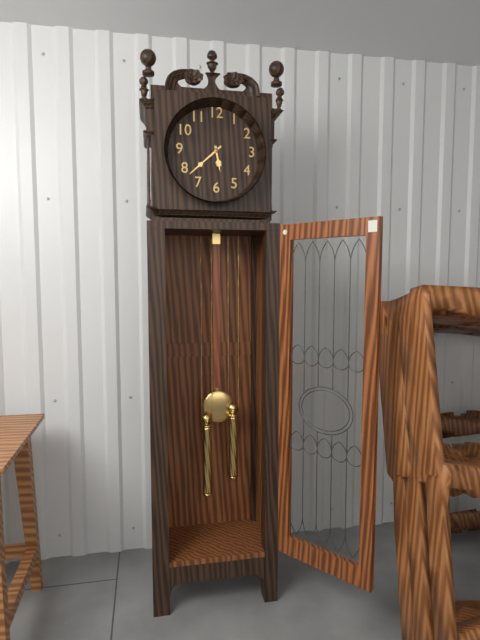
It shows 5,38
